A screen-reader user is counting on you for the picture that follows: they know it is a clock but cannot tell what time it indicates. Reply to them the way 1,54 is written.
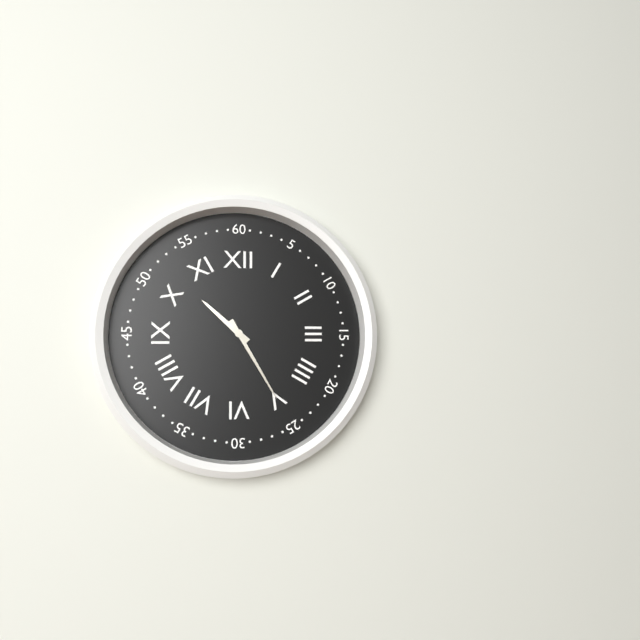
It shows 10,25
